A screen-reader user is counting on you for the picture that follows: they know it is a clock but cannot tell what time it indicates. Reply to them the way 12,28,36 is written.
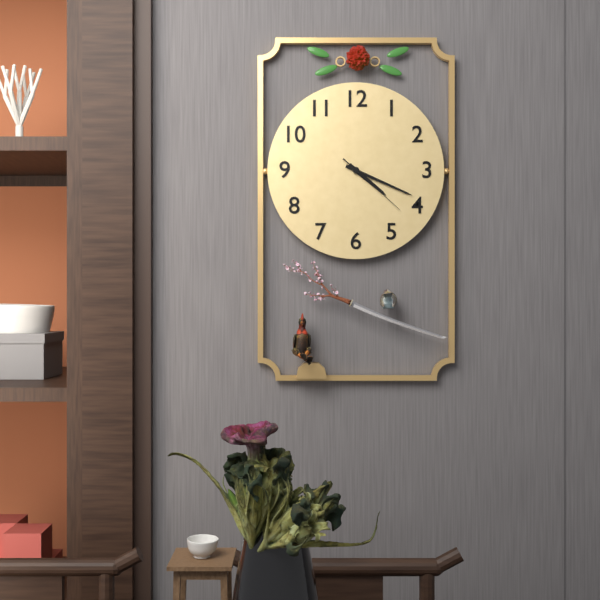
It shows 4,19,22
